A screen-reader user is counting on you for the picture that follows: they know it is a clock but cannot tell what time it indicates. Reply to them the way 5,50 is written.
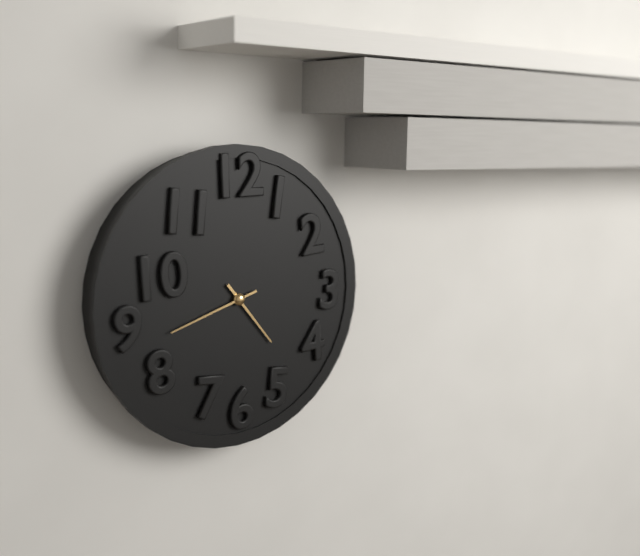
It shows 4,42
